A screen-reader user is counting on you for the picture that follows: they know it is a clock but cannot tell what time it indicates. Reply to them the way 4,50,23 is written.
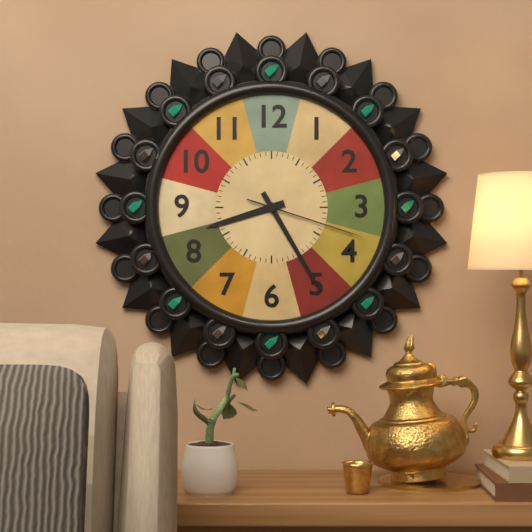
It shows 8,25,18
